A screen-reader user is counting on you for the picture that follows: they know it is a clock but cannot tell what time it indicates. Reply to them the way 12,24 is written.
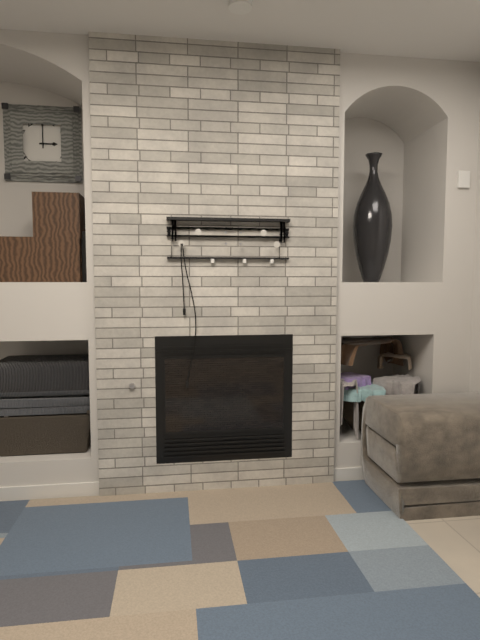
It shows 3,00
